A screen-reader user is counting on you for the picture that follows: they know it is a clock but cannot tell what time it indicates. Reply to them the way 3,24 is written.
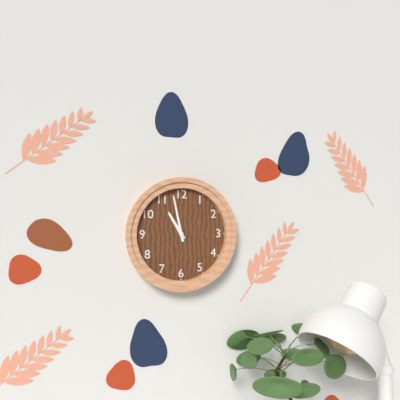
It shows 10,58
